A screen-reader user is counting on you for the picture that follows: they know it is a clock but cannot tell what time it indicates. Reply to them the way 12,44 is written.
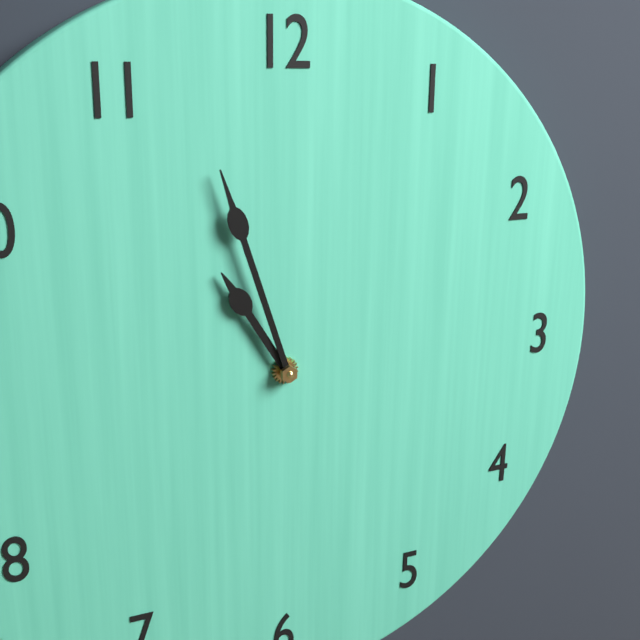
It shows 10,57
